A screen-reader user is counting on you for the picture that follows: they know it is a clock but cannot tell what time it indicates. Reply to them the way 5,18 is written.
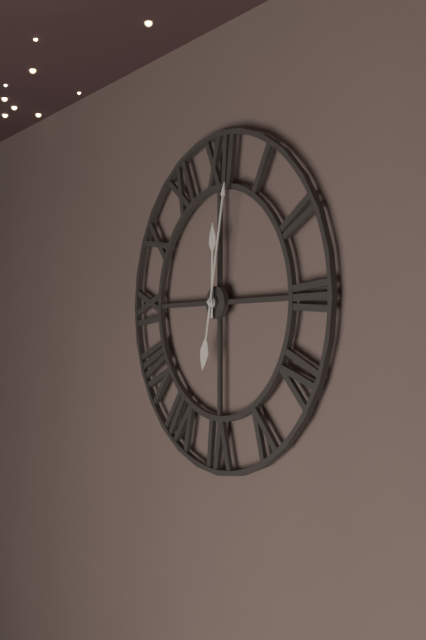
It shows 12,02
